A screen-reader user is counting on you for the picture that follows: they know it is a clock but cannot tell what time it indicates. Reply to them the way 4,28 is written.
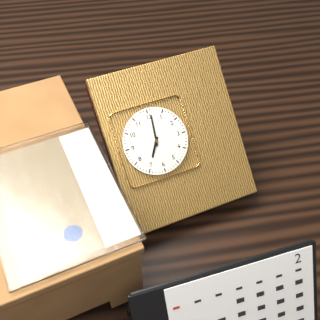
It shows 7,01
